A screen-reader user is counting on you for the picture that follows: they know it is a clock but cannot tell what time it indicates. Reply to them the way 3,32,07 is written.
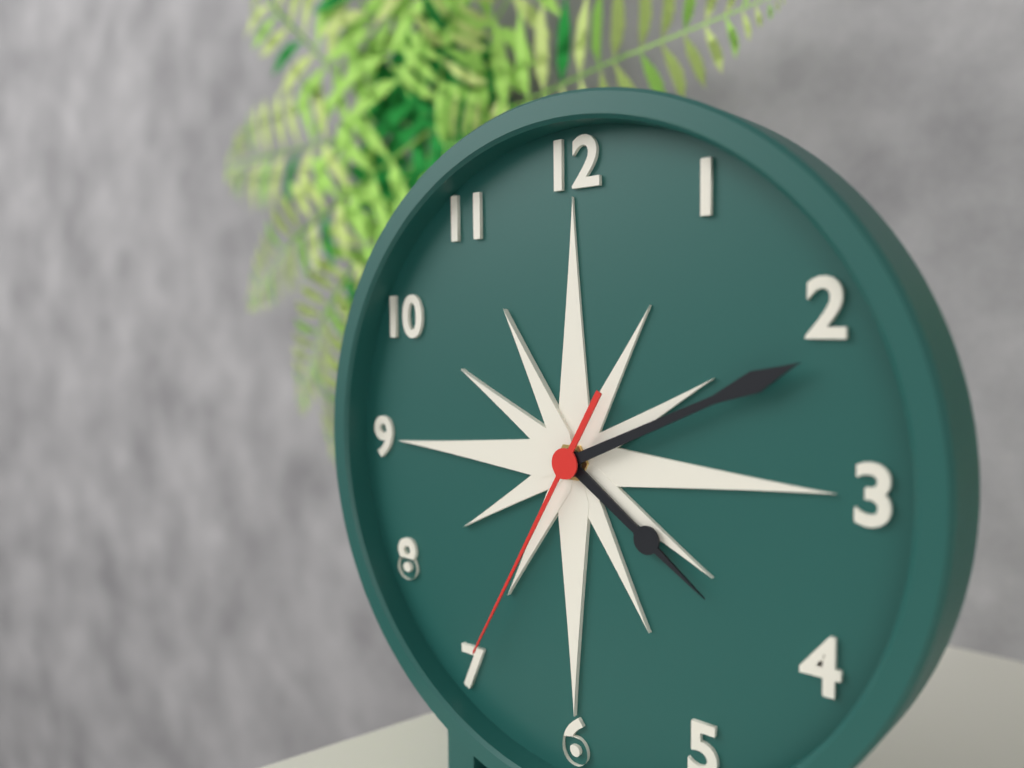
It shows 4,11,35
